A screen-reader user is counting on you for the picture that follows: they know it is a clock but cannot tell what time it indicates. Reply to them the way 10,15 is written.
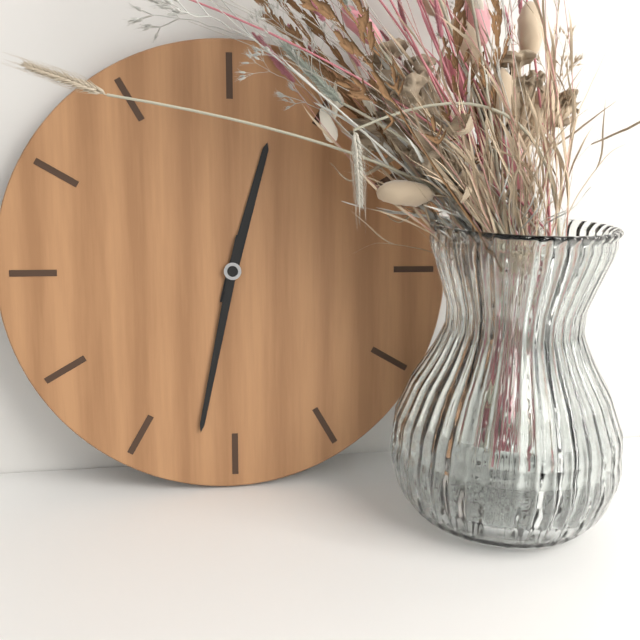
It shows 12,32
